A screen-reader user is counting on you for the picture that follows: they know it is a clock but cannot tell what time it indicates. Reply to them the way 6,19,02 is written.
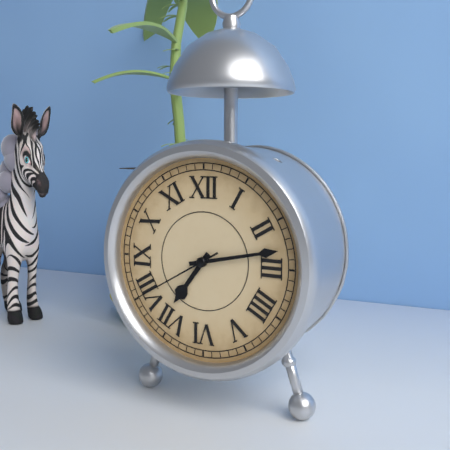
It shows 7,13,40
